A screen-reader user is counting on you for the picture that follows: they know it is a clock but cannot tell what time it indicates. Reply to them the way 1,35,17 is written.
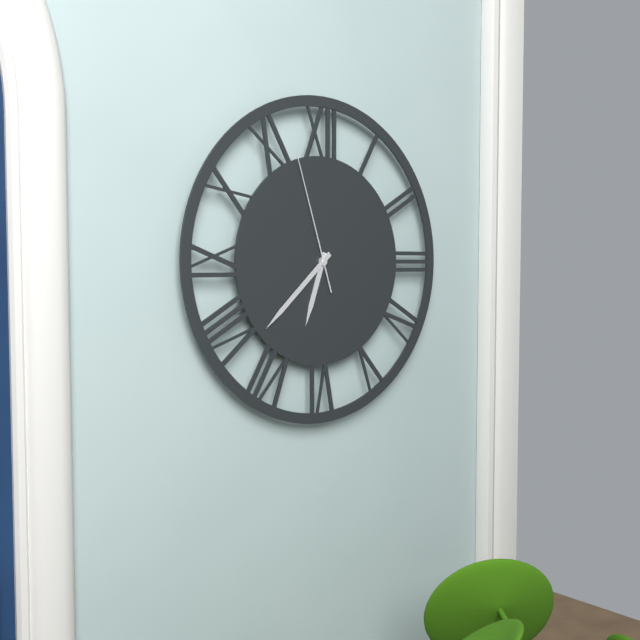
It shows 6,38,57
